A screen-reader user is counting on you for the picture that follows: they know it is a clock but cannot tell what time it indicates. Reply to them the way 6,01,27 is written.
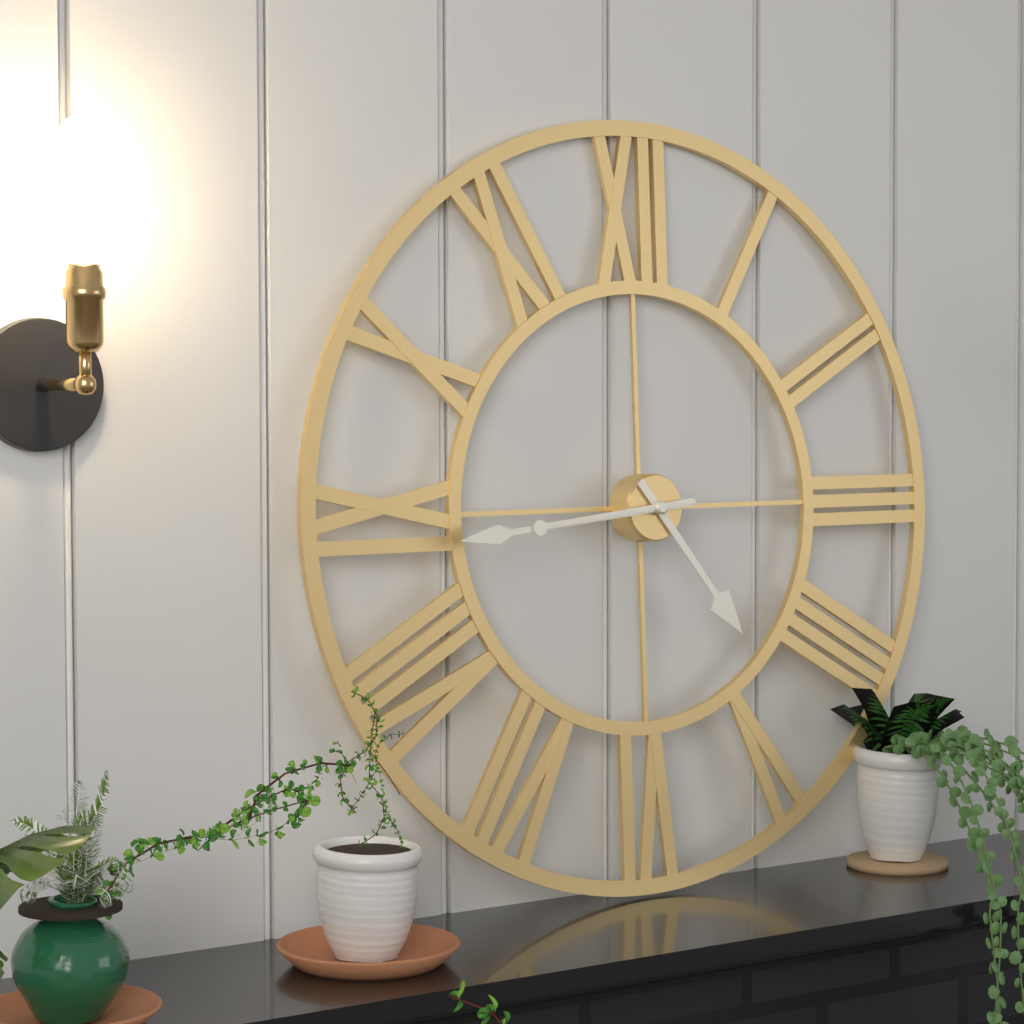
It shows 4,44,44
